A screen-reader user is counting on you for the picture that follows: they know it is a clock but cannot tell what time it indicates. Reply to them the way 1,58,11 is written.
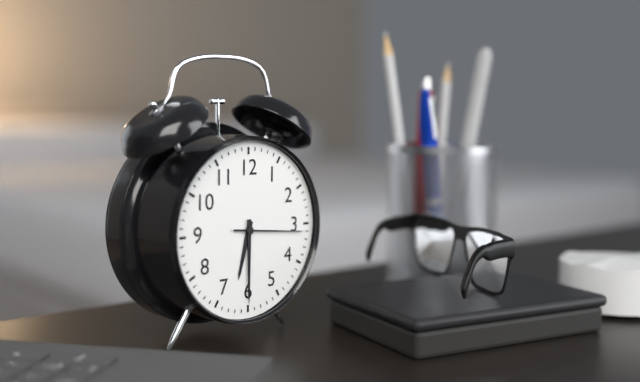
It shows 6,30,16
